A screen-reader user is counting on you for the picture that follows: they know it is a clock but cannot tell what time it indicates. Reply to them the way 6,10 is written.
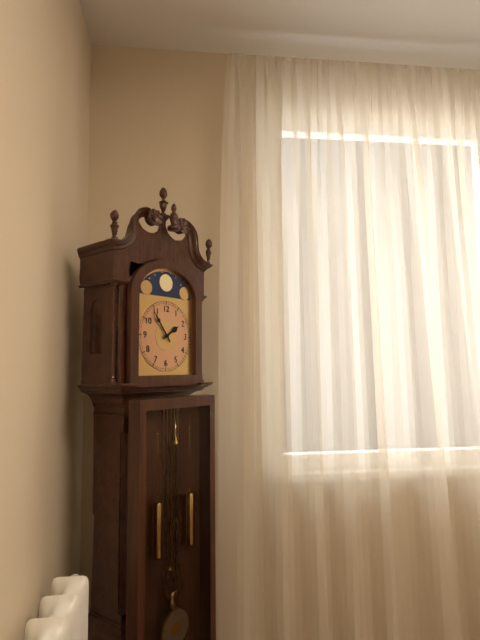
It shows 1,54
